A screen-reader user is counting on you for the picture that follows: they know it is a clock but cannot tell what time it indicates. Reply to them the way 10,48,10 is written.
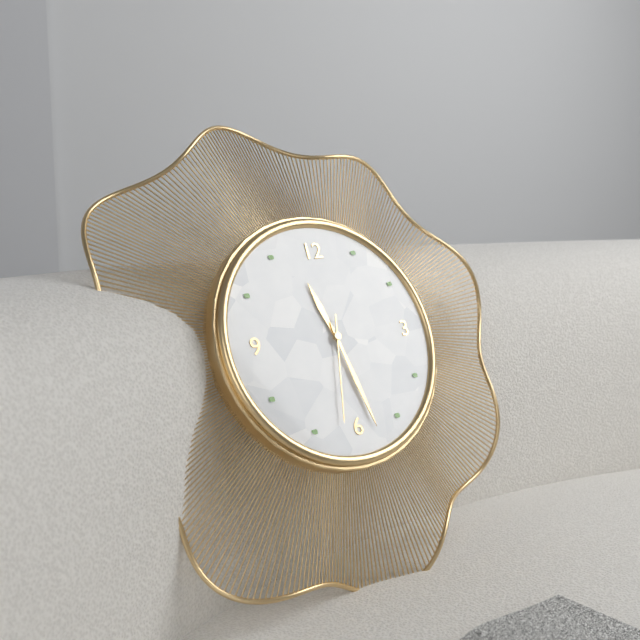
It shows 11,28,32
